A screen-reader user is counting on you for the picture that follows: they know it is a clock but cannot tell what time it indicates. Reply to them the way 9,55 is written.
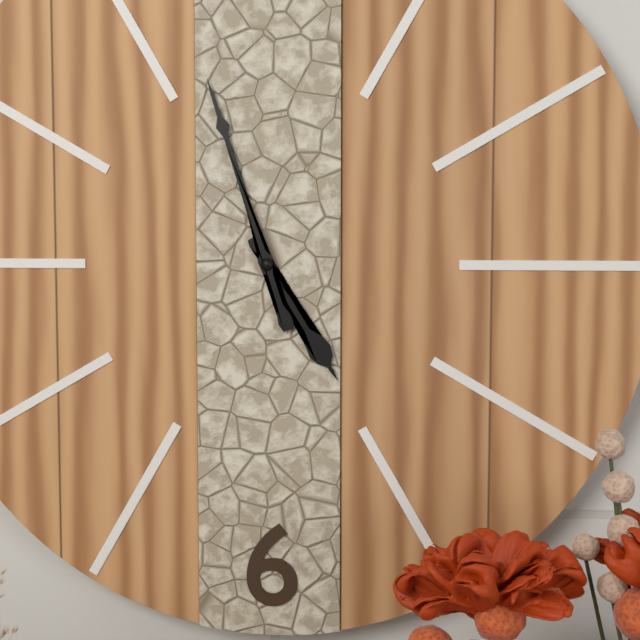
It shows 4,57
